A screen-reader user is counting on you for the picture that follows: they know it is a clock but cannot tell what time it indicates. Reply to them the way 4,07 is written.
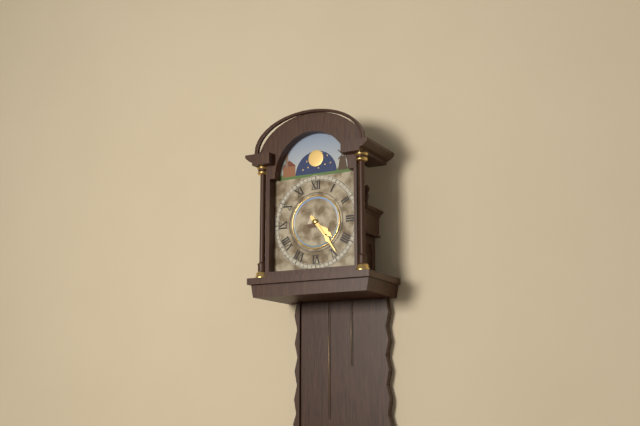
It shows 4,24
